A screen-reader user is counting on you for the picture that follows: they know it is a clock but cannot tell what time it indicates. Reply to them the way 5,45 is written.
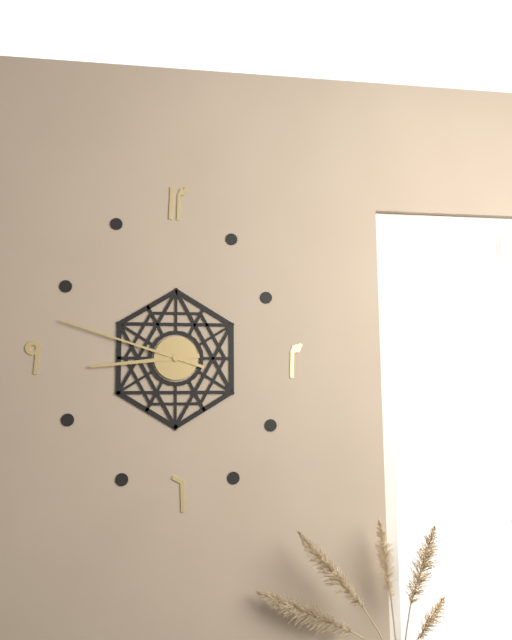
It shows 8,48
